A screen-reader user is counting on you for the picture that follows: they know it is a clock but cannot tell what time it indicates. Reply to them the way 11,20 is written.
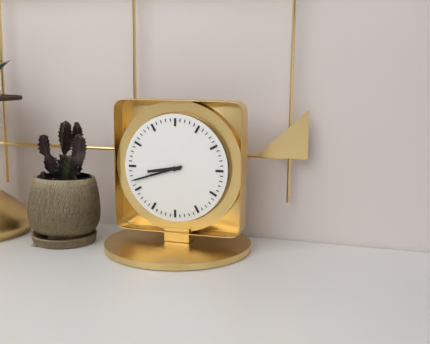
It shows 8,42
